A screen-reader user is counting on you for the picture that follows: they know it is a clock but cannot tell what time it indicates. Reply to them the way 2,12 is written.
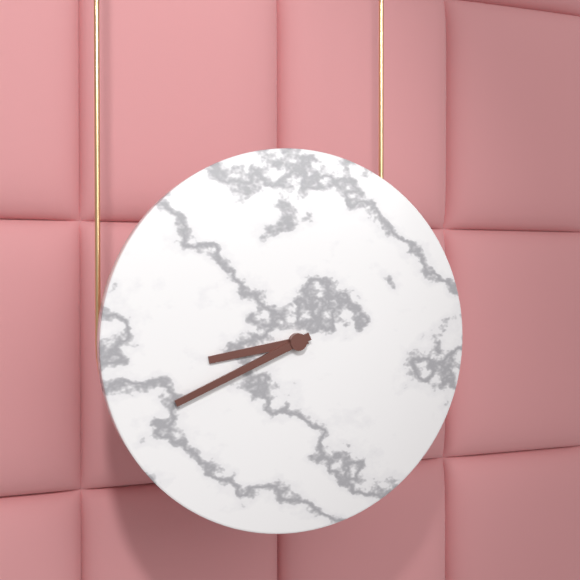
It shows 8,41
